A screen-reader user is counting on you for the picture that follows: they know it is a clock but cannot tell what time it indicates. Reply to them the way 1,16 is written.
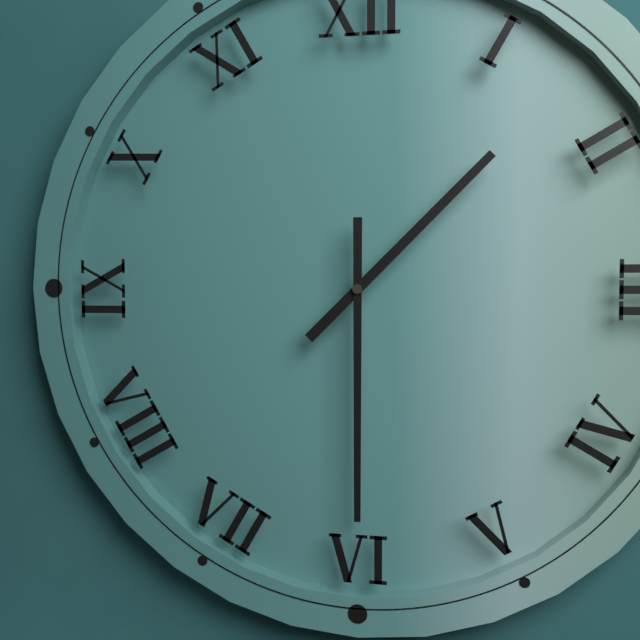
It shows 1,30
